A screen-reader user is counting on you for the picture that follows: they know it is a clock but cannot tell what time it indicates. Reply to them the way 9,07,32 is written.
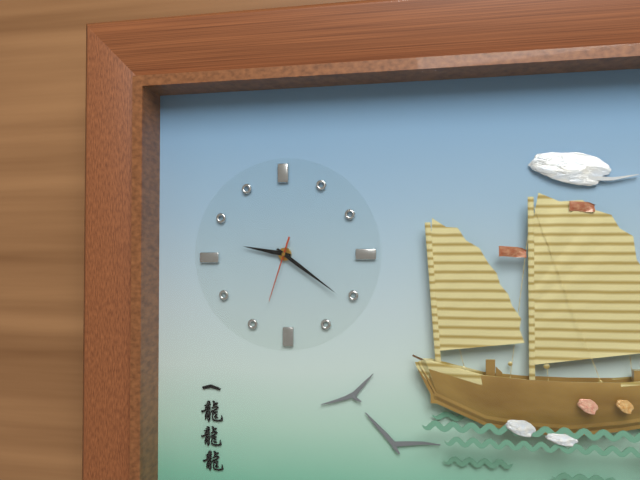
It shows 9,21,33
